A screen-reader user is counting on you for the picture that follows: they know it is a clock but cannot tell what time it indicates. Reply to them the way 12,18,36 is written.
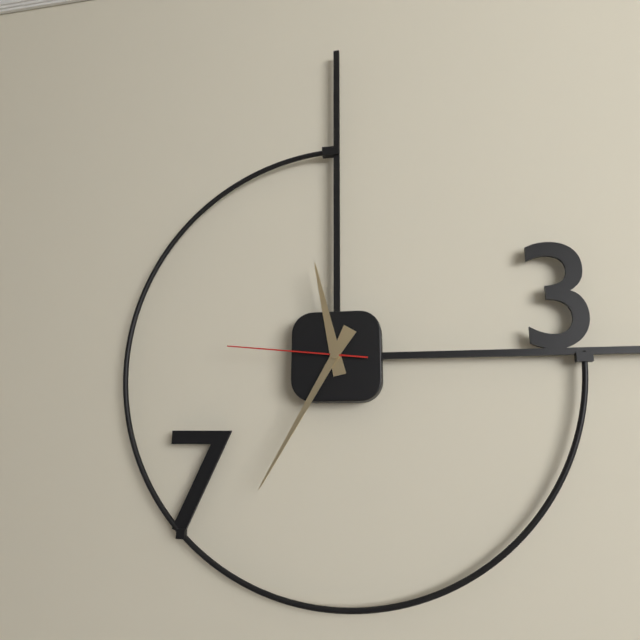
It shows 11,35,46
